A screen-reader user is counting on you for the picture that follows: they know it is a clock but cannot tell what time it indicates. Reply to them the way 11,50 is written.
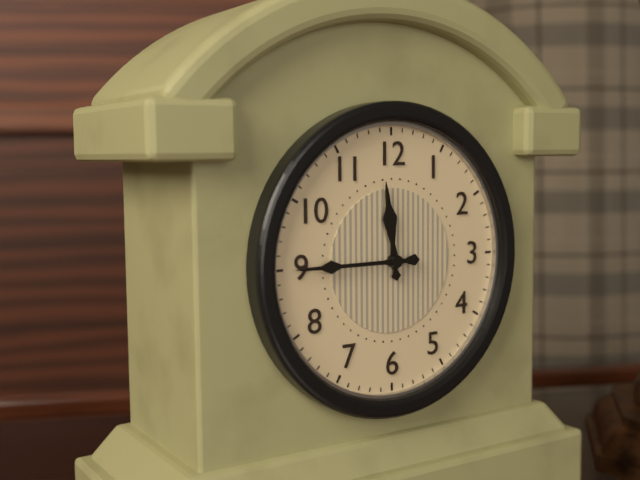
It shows 11,45
